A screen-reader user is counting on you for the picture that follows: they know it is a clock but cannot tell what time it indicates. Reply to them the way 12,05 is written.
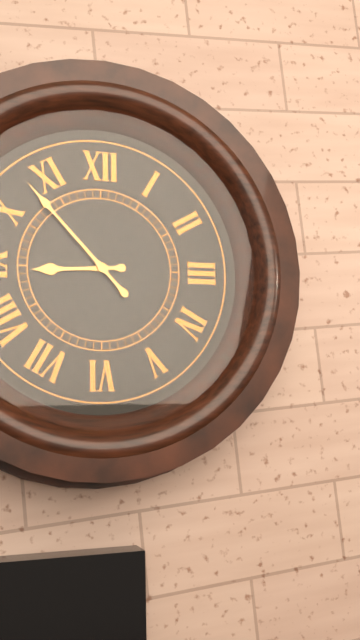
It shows 8,53
